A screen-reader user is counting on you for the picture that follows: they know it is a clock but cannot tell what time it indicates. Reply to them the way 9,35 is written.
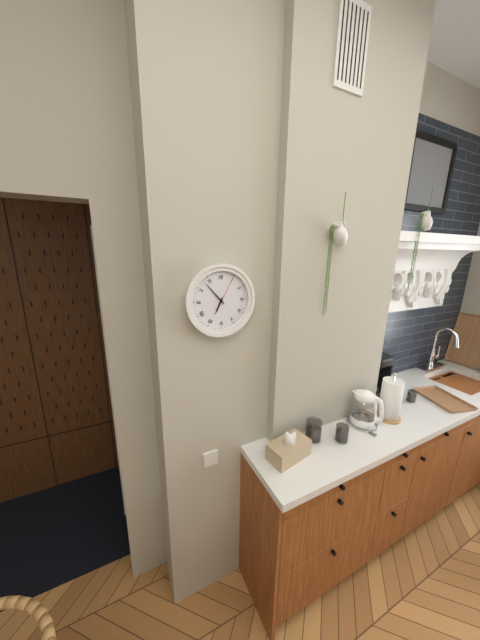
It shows 6,53
